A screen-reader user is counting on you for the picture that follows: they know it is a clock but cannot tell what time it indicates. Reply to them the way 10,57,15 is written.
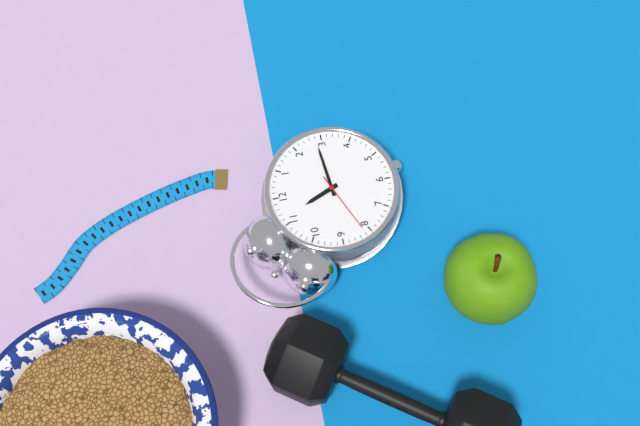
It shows 11,14,41
